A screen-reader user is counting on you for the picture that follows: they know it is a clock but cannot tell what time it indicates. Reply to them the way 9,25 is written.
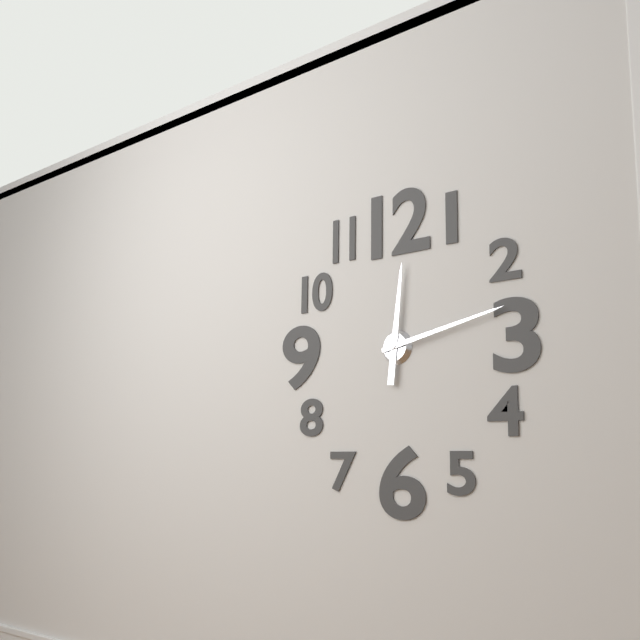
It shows 12,13
